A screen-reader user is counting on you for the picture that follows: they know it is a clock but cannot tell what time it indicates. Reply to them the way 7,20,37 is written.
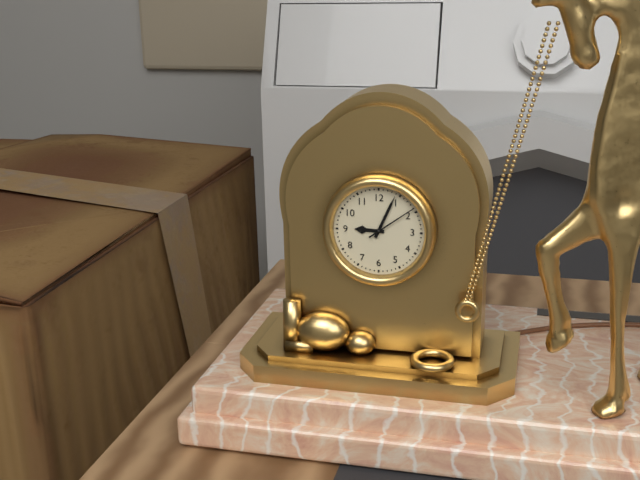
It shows 9,04,09
